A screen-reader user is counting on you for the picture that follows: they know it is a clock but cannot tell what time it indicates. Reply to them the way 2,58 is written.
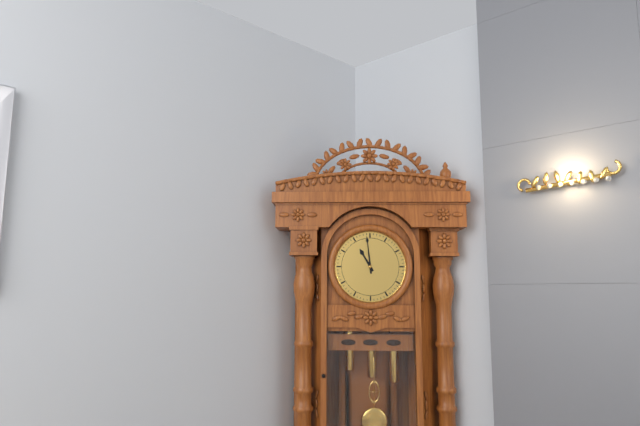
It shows 10,59
